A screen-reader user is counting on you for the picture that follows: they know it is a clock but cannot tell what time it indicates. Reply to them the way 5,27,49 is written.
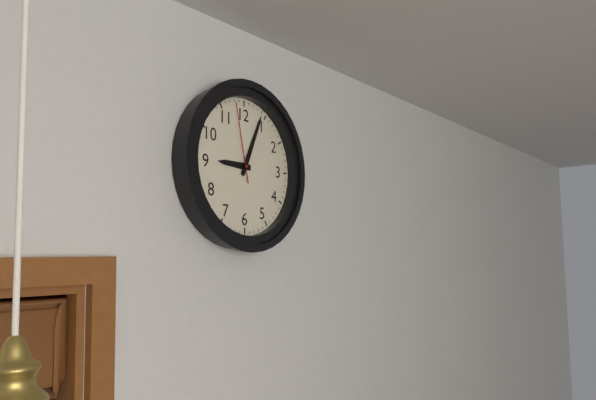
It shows 9,04,58
